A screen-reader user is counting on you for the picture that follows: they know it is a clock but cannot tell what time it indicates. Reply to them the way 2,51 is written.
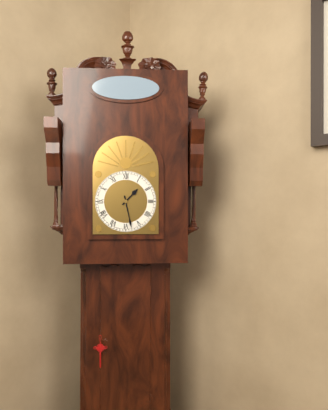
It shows 1,28
